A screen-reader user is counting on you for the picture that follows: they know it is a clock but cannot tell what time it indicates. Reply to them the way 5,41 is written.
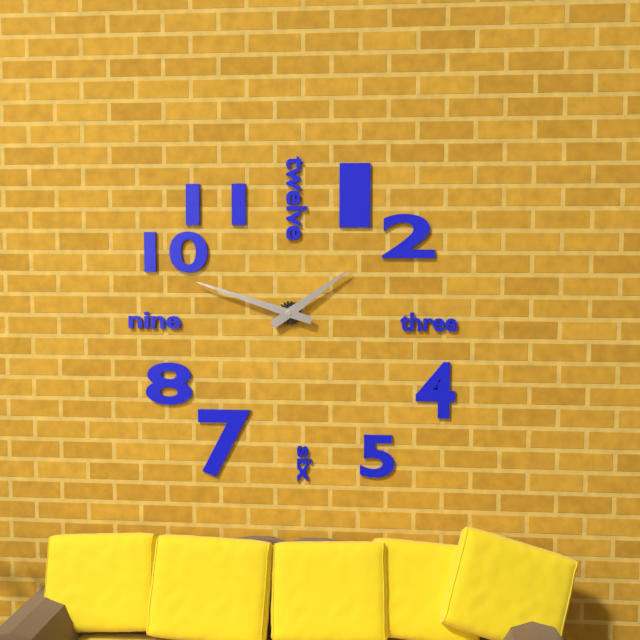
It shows 1,48
